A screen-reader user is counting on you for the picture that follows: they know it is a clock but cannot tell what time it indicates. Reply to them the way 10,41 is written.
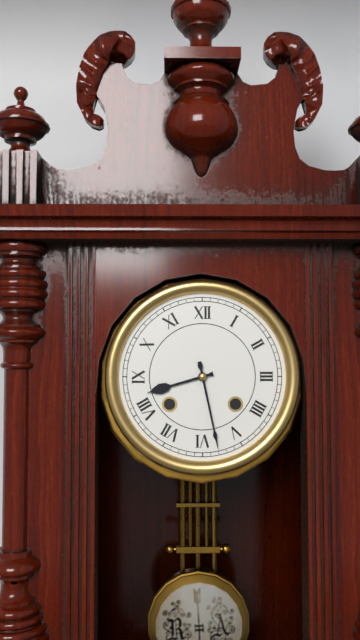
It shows 8,28
